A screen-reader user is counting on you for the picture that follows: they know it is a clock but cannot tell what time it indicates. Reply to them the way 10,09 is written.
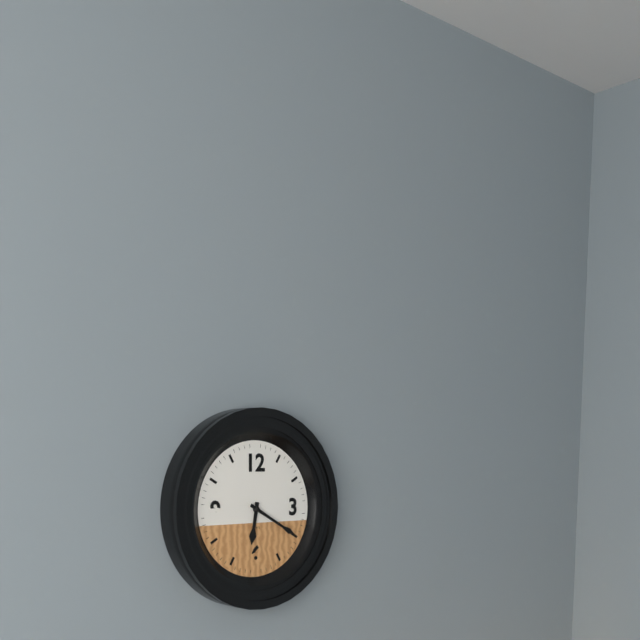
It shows 6,20
